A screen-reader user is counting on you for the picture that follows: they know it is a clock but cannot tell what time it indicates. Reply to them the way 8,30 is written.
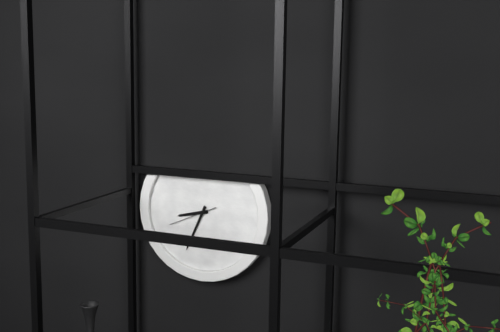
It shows 8,34
